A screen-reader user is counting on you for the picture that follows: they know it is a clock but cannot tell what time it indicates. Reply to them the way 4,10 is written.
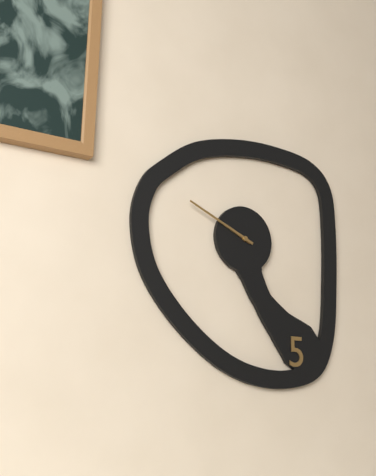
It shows 9,49
